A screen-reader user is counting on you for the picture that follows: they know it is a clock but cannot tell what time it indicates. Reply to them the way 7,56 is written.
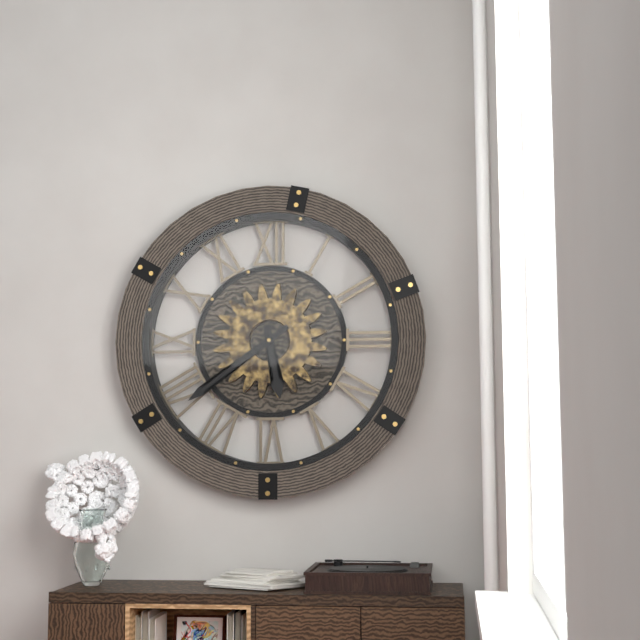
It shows 5,39
